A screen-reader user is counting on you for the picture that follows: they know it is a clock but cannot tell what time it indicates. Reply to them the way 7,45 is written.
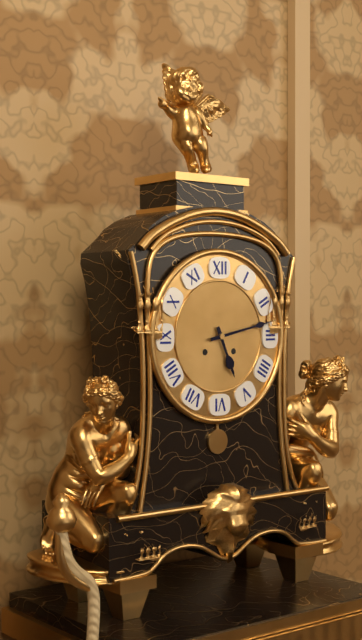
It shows 5,13
